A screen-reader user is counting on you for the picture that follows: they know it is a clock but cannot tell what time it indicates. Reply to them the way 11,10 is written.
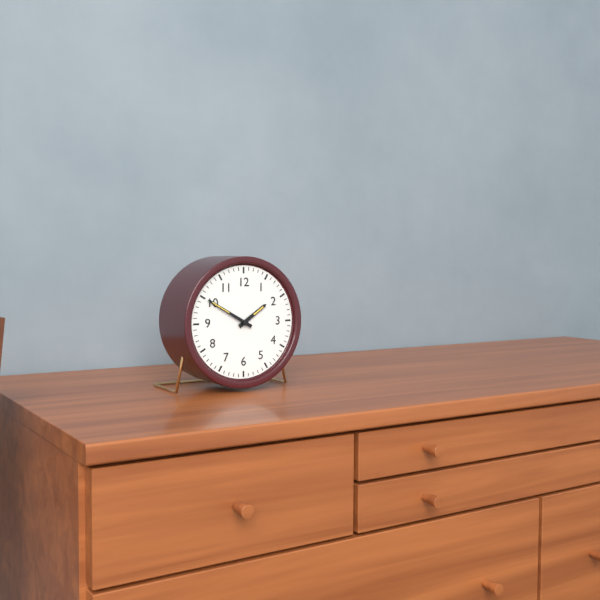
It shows 1,50
